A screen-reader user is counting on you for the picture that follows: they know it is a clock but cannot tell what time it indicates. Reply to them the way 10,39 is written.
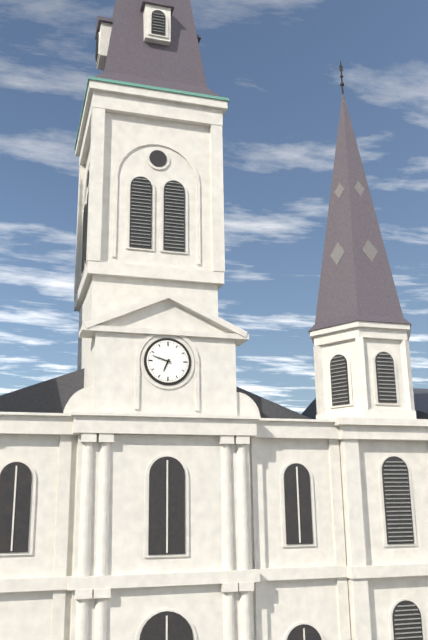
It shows 6,48
